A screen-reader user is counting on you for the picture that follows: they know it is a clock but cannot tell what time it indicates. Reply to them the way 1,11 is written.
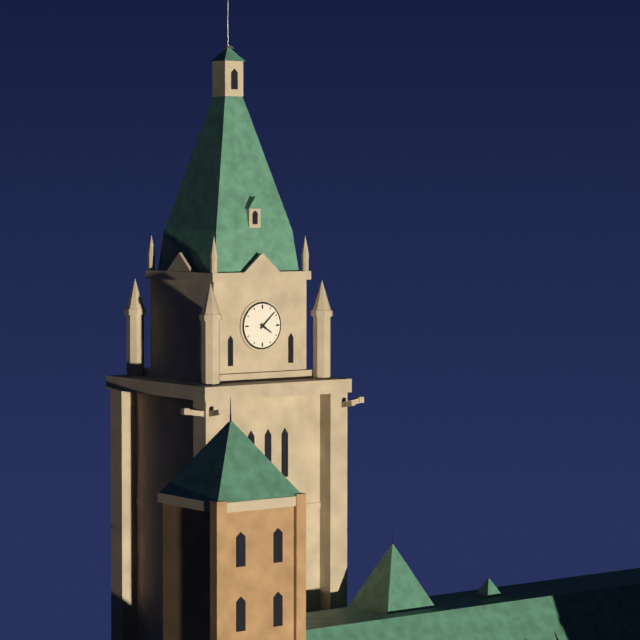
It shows 4,08
